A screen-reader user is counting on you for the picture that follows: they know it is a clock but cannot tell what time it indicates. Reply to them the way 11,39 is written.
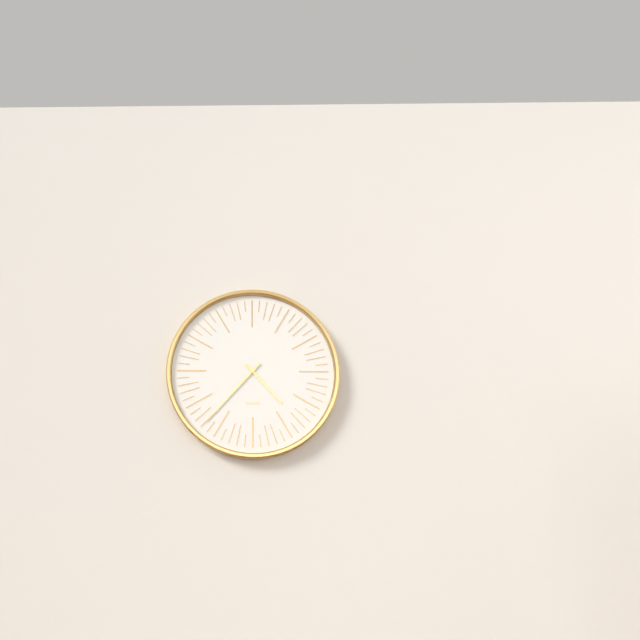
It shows 4,37
